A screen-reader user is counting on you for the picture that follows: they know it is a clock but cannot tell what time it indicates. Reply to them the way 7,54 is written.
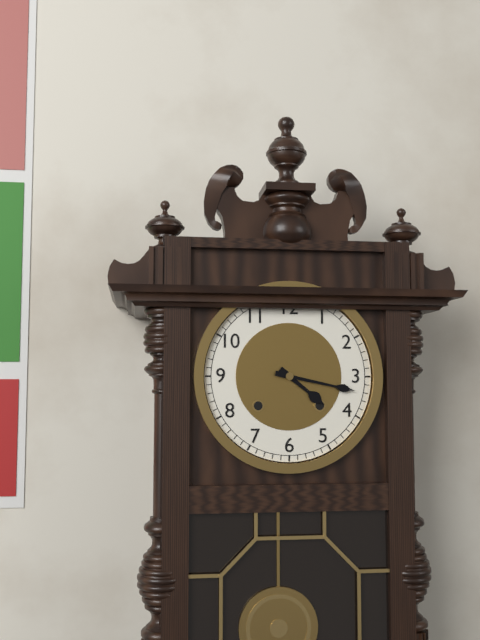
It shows 4,17
